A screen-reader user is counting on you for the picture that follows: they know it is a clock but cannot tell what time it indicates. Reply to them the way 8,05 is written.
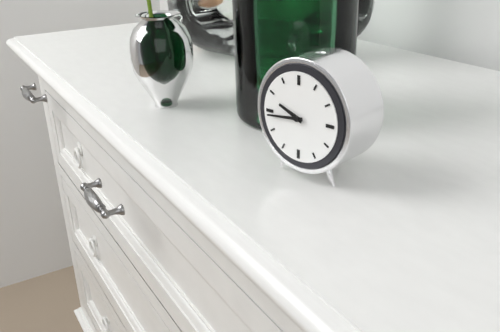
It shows 9,44
